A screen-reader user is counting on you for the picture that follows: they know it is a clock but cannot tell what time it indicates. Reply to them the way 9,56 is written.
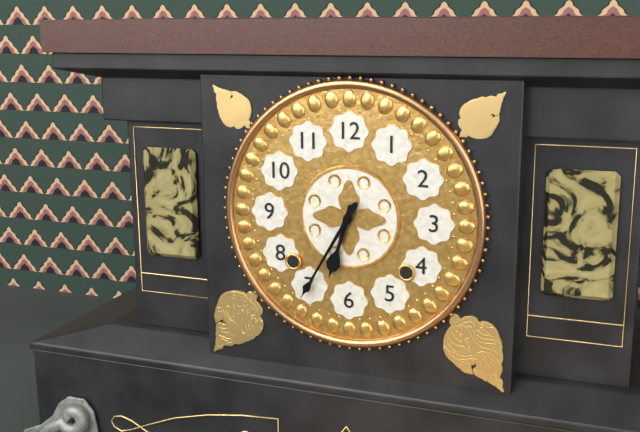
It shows 6,35
